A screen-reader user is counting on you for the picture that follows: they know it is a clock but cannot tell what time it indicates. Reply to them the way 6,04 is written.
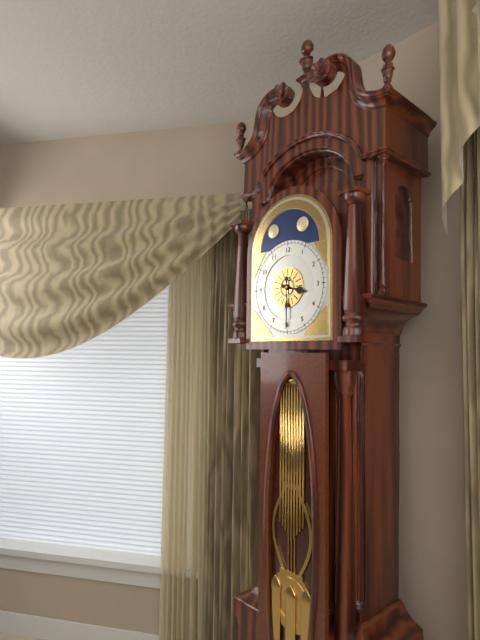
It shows 3,30
